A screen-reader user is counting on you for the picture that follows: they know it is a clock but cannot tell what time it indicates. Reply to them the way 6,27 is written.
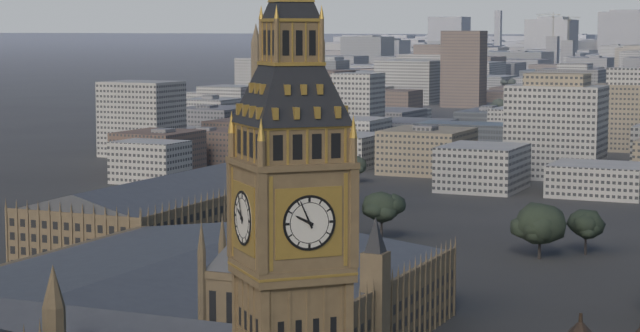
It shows 9,56
